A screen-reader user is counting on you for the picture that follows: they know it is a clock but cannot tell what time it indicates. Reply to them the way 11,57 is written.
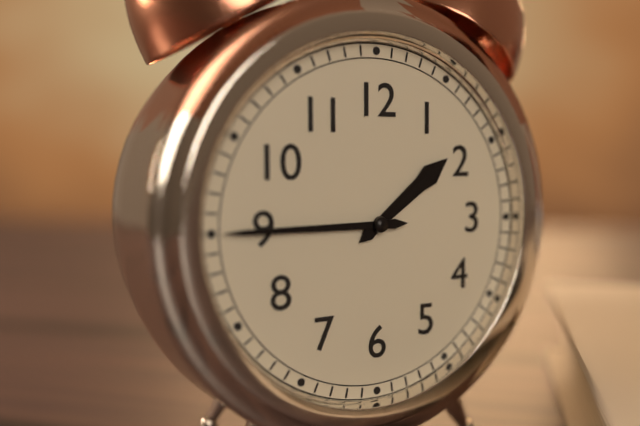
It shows 1,45
